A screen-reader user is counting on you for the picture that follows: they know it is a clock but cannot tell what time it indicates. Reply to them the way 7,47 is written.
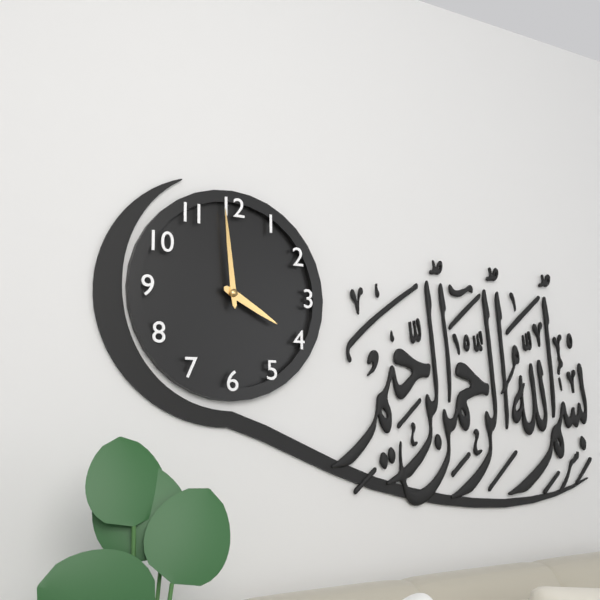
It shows 3,59
